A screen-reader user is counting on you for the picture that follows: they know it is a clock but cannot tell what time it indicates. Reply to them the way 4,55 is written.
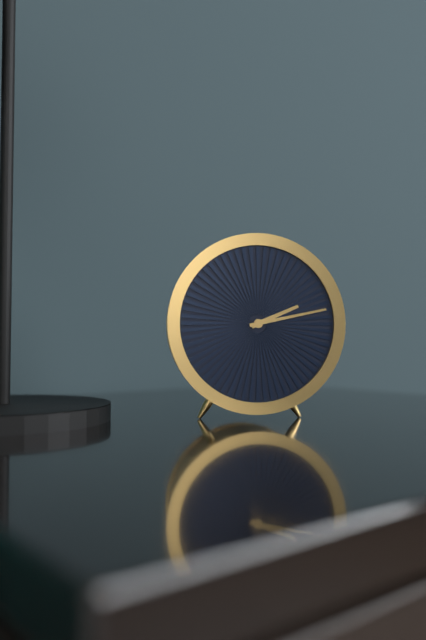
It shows 2,13
